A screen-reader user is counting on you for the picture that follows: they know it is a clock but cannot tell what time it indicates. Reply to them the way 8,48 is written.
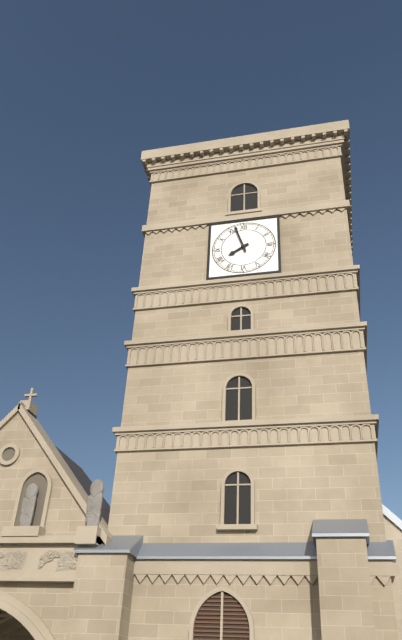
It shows 7,57
